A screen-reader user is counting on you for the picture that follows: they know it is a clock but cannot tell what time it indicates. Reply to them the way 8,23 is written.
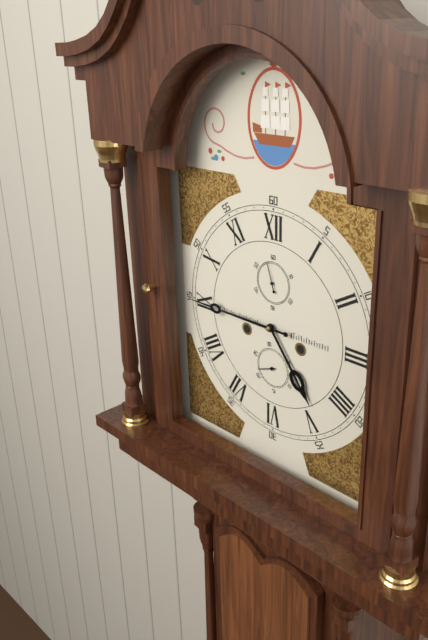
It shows 4,45
